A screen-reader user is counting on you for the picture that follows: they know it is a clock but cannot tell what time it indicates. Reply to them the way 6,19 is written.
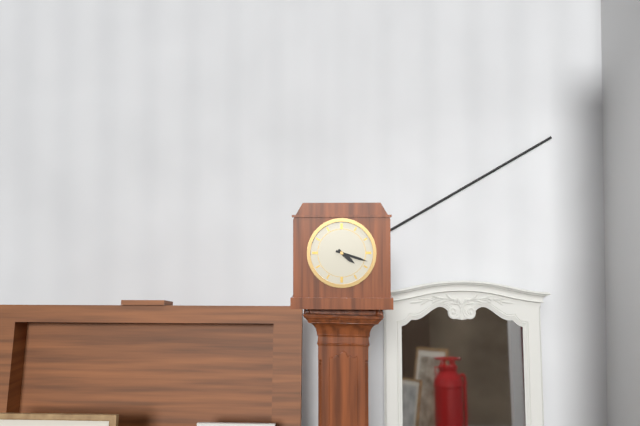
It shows 4,18
